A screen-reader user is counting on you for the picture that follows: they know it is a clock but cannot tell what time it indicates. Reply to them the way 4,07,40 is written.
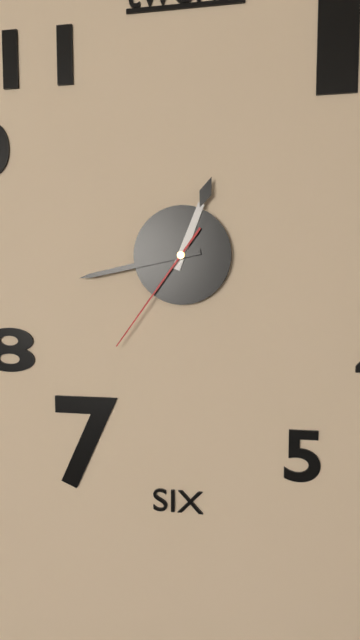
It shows 12,43,36
